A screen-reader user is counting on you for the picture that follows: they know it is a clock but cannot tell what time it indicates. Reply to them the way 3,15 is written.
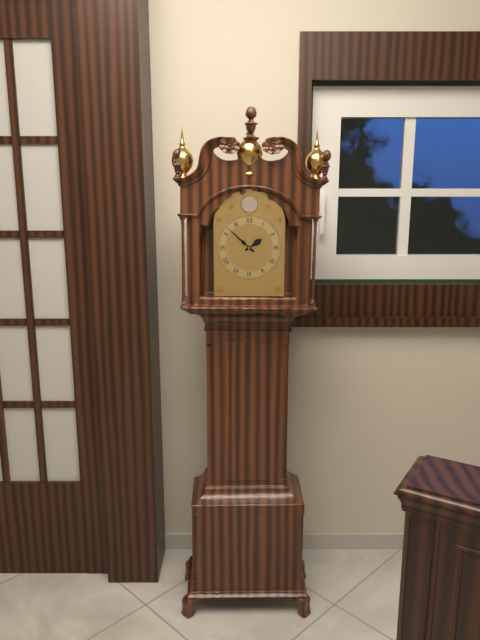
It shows 1,52
